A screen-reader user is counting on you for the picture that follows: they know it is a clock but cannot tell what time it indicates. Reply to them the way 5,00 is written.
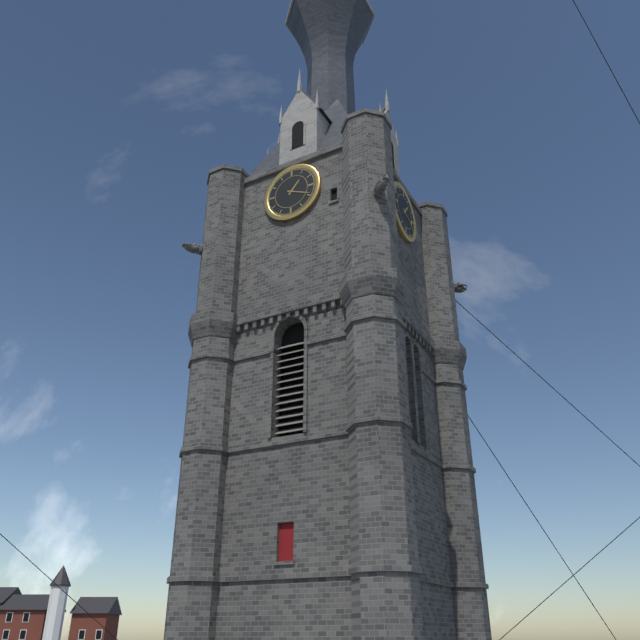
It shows 1,19
